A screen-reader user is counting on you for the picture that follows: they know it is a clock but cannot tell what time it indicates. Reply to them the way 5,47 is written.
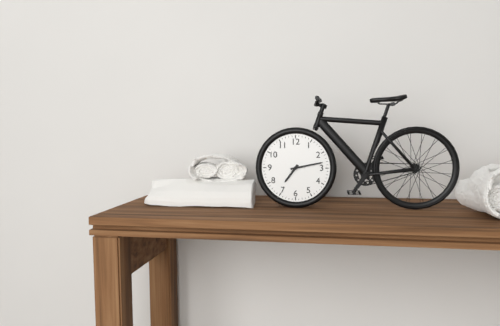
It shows 7,13
